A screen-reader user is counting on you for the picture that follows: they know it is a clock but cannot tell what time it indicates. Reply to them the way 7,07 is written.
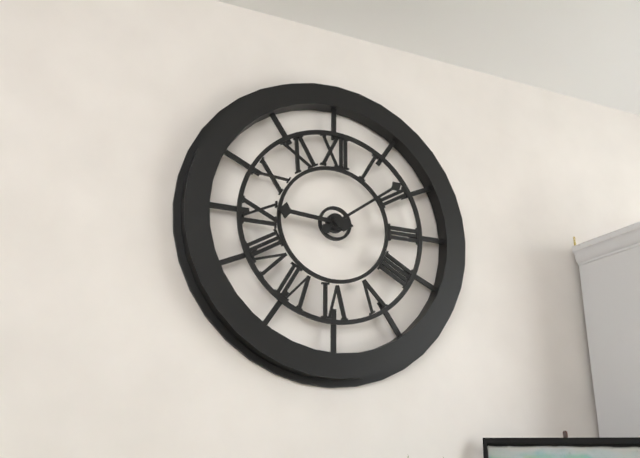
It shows 9,09
